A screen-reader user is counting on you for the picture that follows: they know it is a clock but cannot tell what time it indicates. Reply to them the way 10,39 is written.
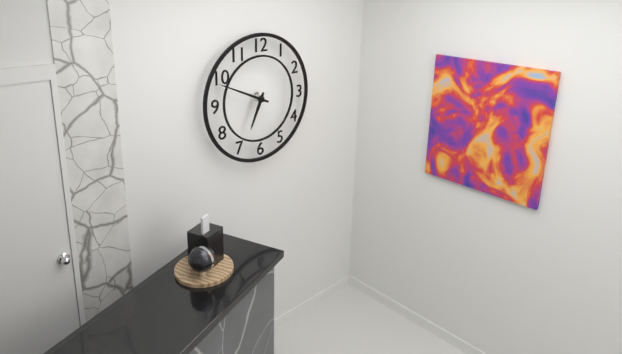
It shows 6,49
